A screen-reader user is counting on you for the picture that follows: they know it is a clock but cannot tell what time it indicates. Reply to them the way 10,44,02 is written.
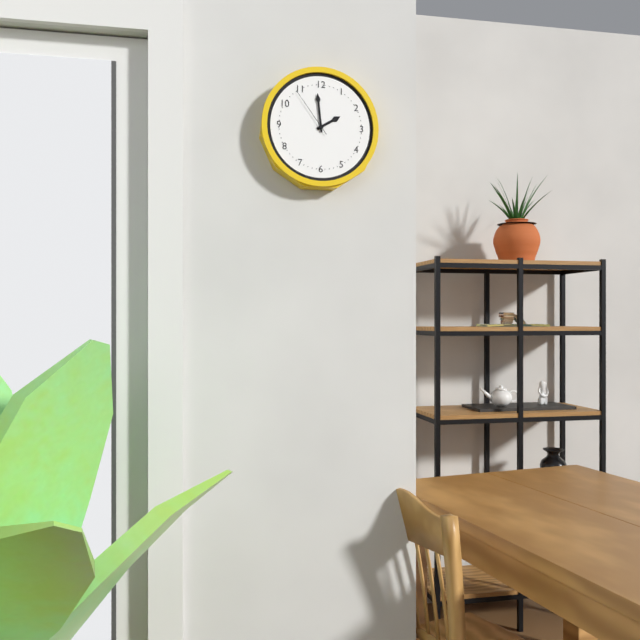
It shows 1,59,54
